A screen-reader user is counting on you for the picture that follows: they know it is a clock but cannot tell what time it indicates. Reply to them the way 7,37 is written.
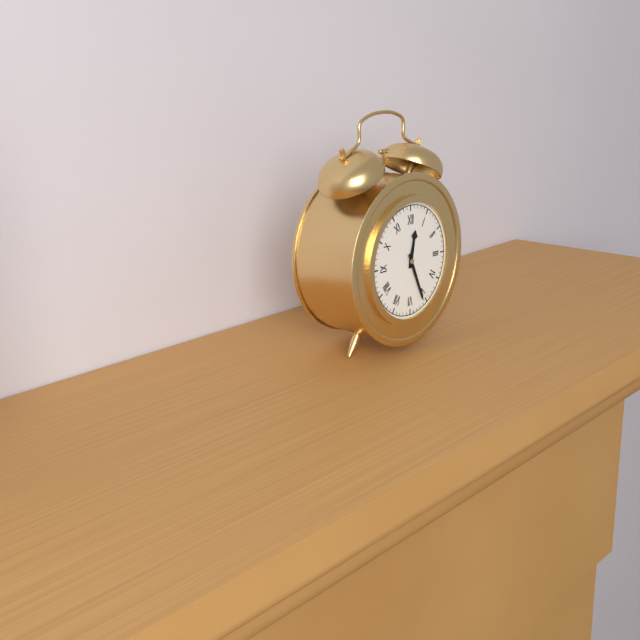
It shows 12,26
